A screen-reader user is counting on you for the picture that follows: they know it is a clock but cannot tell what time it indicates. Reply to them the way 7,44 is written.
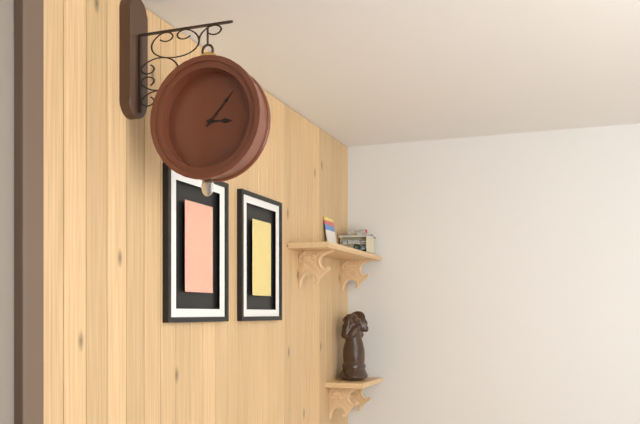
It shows 3,07
